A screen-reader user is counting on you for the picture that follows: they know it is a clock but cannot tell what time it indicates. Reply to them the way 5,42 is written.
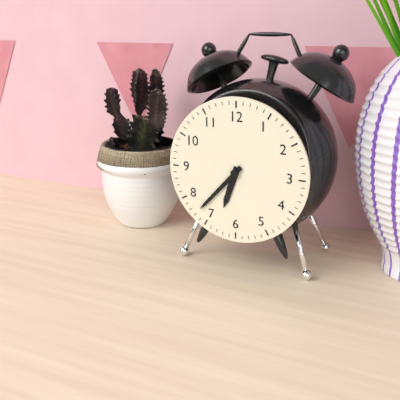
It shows 6,37
